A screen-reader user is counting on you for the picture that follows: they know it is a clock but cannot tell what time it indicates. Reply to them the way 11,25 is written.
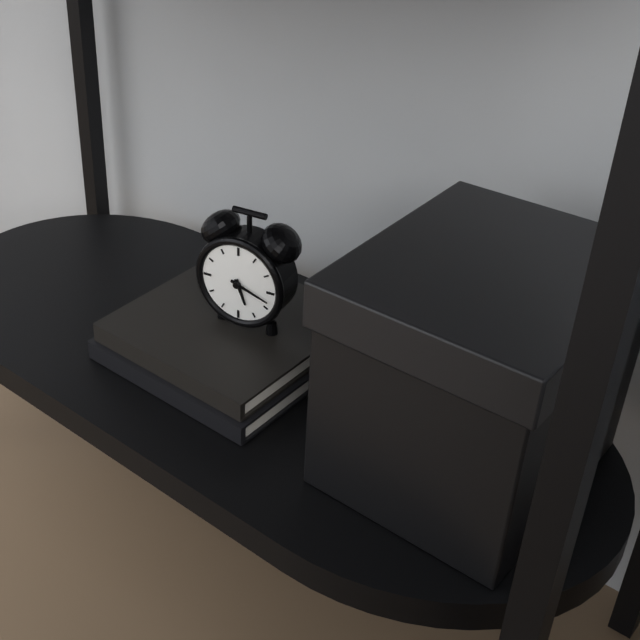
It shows 5,18
